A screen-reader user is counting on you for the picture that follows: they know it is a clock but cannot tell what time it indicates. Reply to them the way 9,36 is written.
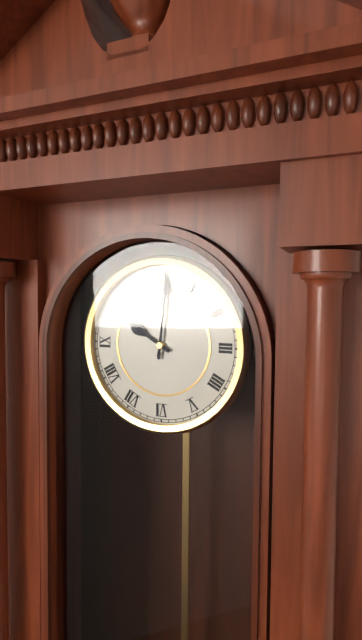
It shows 10,01
